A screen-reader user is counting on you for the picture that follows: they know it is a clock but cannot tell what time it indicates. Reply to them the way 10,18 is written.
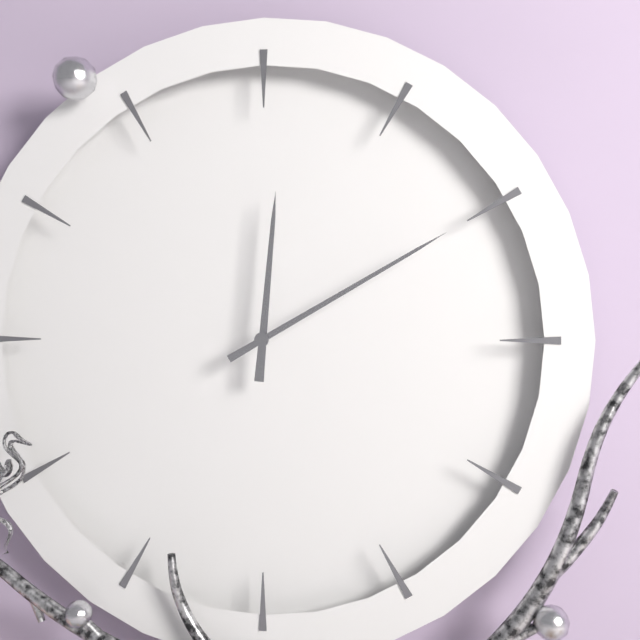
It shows 12,10
